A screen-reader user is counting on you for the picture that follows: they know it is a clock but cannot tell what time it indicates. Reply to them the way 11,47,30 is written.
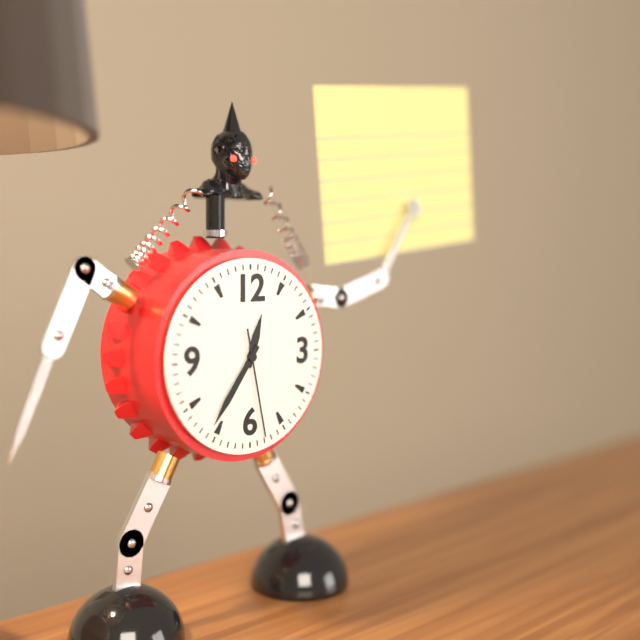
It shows 12,36,28
